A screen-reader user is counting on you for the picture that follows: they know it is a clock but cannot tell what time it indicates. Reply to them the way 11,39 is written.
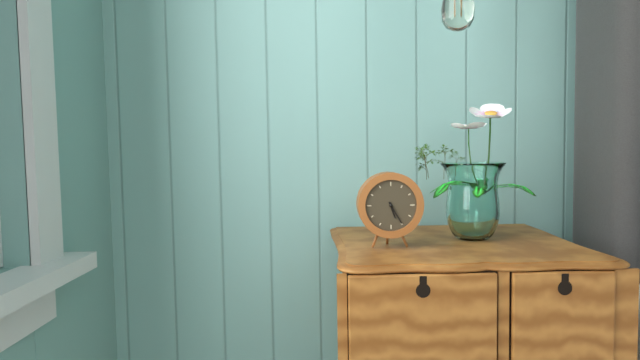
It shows 5,25
